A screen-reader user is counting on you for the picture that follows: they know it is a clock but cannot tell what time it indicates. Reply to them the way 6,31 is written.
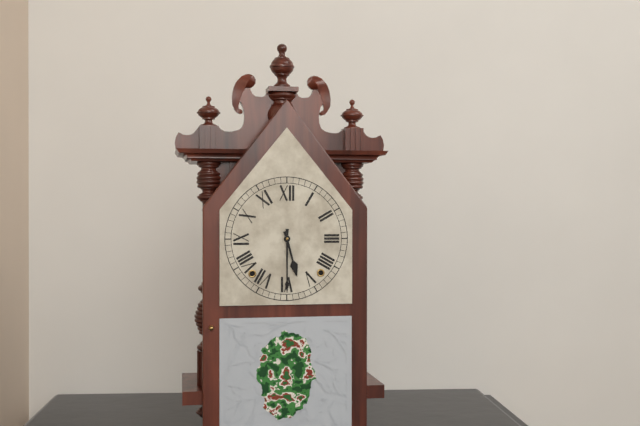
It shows 5,30
